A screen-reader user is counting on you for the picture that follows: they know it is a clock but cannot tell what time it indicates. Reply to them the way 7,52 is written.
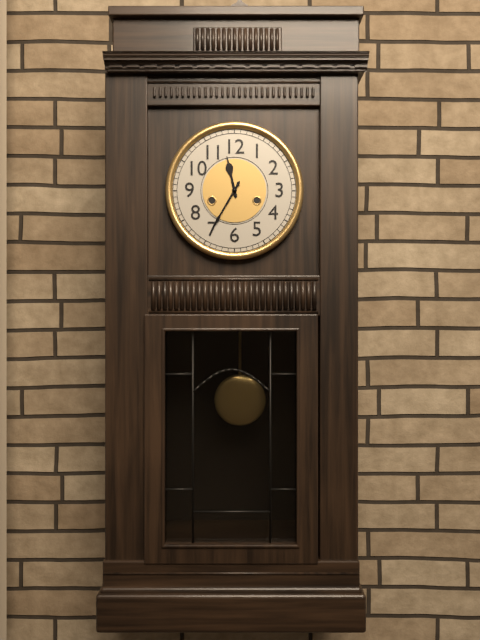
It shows 11,35
